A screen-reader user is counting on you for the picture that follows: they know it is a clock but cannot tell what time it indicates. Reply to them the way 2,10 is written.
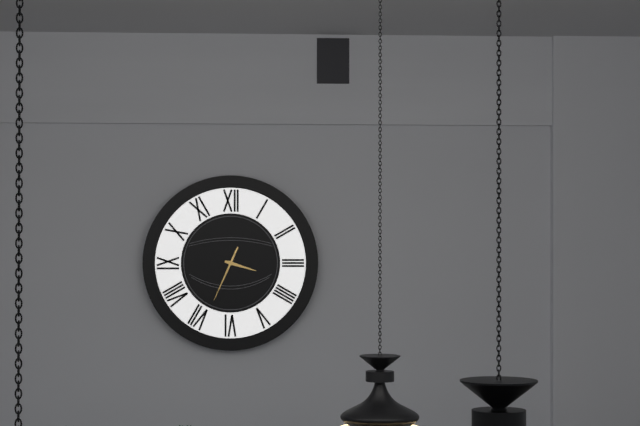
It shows 3,34
